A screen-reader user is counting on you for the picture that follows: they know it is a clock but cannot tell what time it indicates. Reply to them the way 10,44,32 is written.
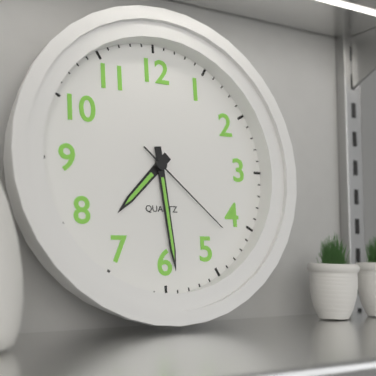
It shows 7,29,22
